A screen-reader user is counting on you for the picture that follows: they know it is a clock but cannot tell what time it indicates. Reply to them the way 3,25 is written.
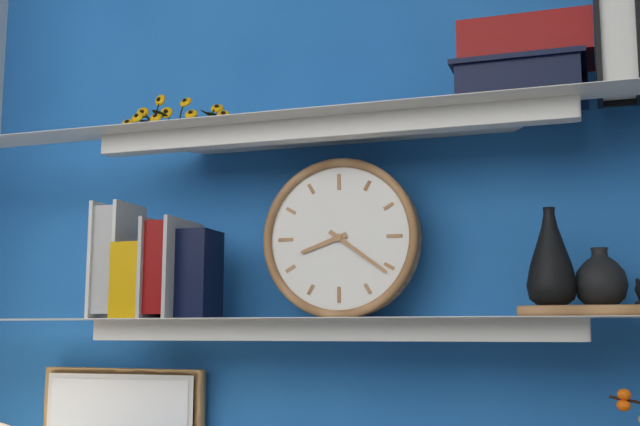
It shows 8,21
